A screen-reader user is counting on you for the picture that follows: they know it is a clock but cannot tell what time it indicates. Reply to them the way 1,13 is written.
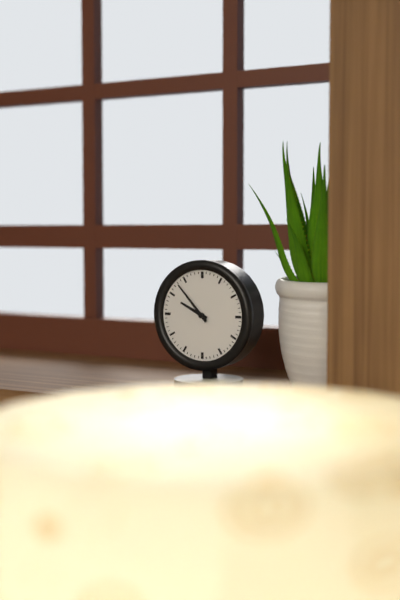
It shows 9,53
